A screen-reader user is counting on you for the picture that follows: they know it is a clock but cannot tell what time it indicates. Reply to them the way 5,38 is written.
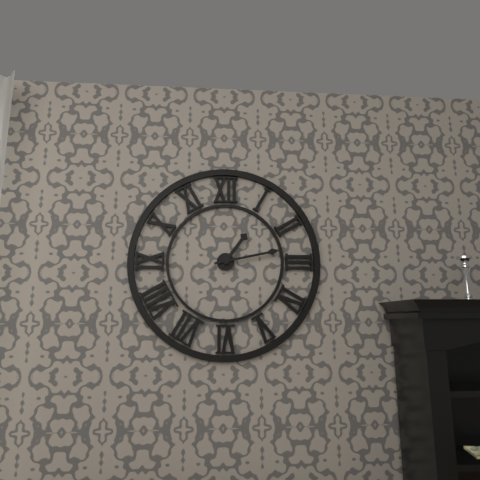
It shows 1,13
